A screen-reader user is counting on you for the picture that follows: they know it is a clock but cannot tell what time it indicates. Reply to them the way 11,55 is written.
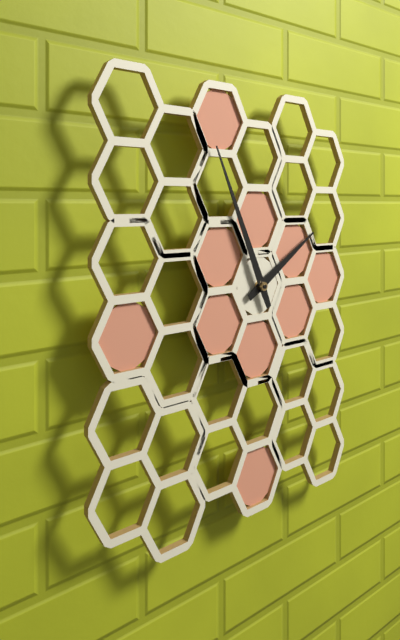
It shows 1,56
